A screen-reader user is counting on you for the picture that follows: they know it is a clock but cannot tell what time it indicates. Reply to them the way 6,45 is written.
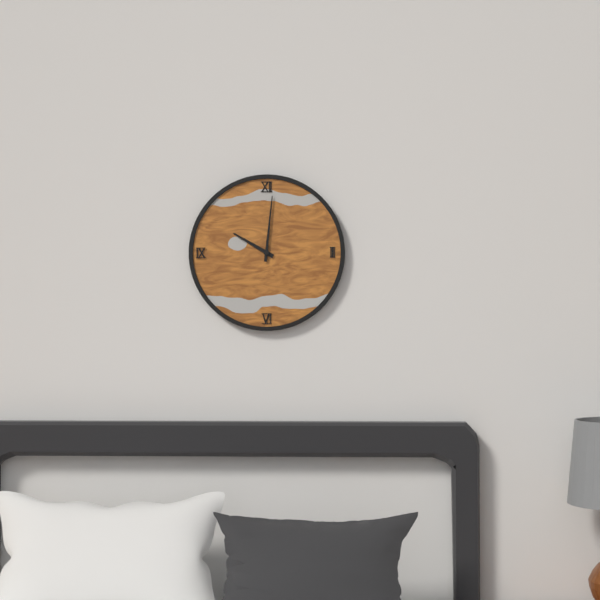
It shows 10,01
